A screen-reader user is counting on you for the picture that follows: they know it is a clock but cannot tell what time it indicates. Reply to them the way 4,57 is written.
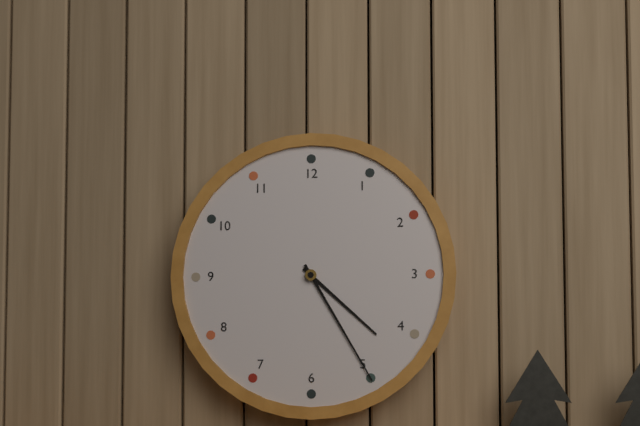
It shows 4,25
